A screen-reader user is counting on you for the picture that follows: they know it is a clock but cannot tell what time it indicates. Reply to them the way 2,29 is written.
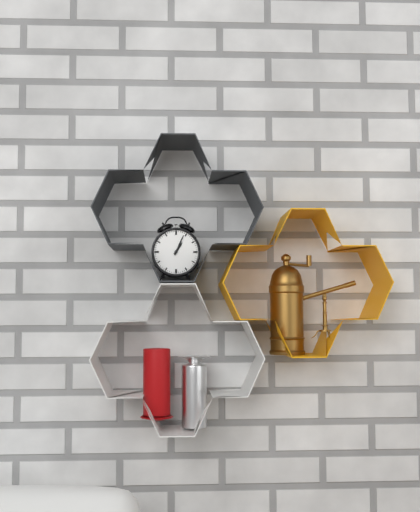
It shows 1,04
